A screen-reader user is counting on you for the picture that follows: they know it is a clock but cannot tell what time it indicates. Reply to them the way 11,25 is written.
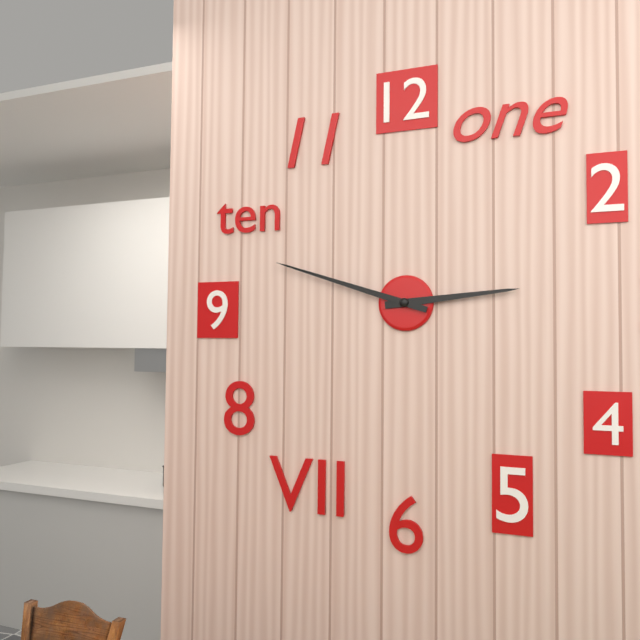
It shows 2,48
